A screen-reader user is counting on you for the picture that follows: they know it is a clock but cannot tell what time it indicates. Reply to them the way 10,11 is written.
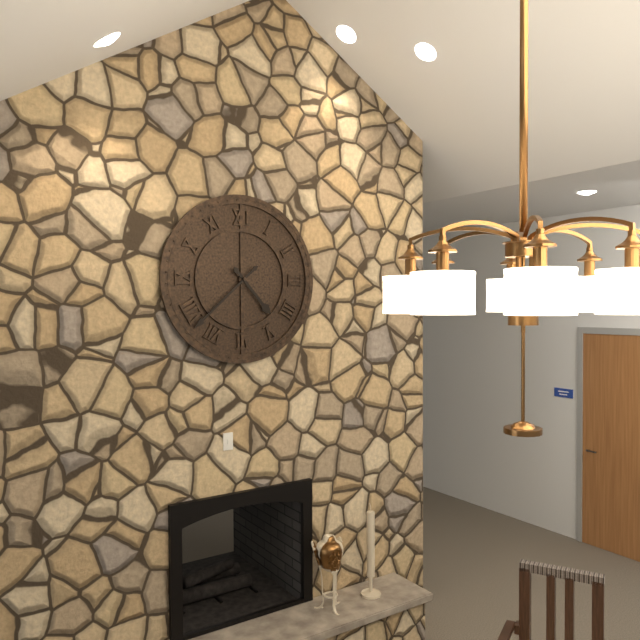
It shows 4,38
